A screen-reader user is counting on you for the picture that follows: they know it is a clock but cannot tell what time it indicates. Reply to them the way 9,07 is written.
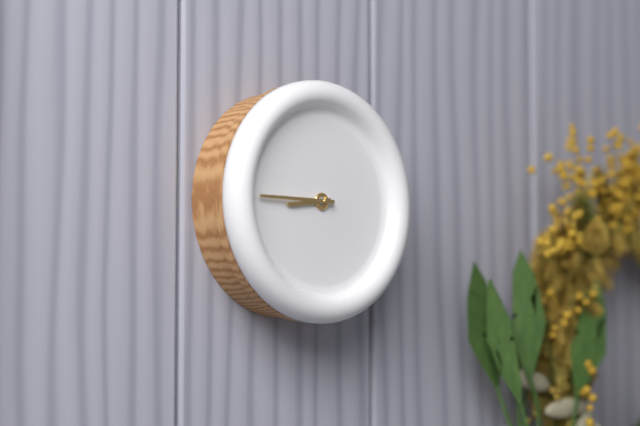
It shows 8,45
